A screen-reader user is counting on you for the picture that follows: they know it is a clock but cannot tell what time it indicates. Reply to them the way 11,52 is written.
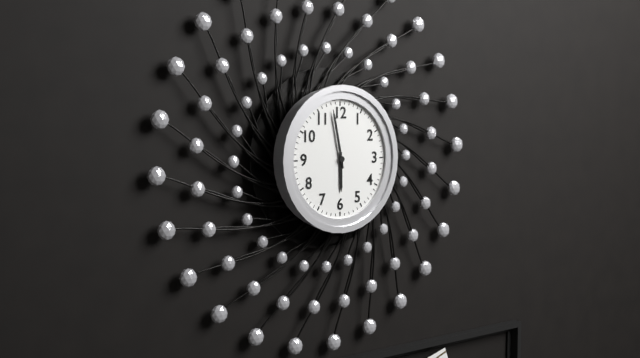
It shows 5,58
